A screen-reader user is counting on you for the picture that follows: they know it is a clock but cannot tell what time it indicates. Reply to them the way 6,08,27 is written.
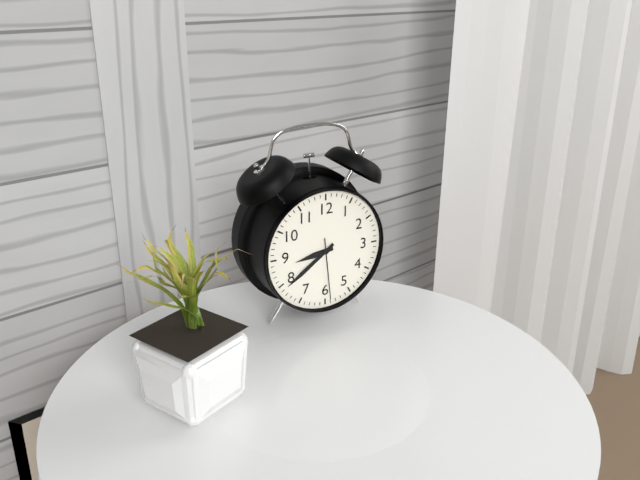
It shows 8,39,29
